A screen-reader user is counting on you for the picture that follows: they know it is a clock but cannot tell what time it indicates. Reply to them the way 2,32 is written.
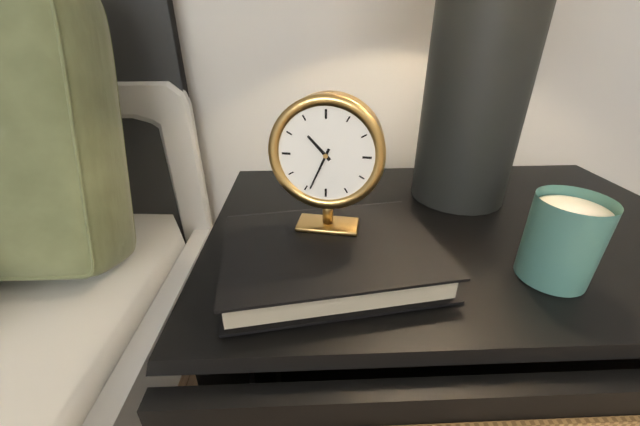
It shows 10,34
